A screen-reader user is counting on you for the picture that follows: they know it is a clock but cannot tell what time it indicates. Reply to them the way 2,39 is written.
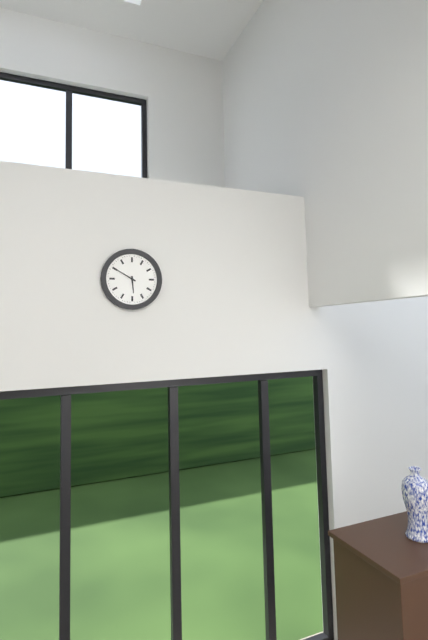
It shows 5,50
